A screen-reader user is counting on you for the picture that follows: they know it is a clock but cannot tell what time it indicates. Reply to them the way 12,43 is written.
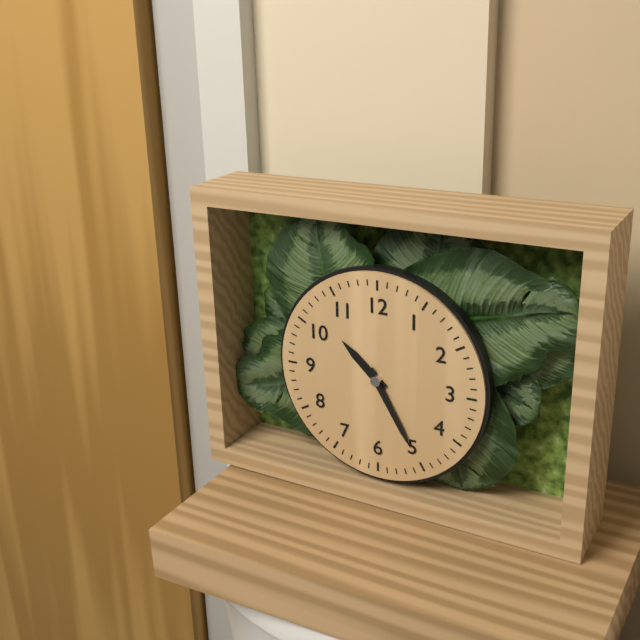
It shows 10,25
